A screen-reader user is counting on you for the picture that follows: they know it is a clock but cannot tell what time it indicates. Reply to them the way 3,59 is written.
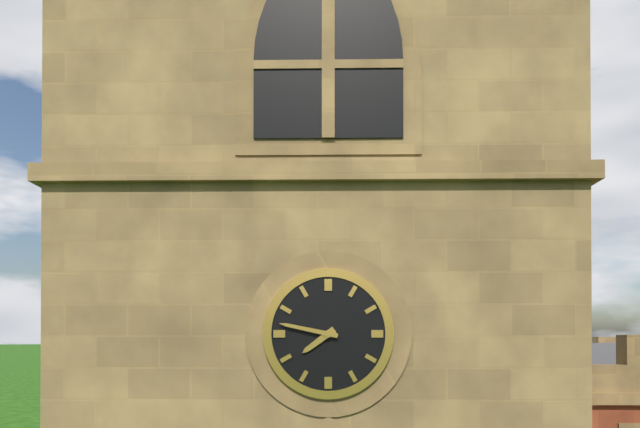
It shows 7,47
